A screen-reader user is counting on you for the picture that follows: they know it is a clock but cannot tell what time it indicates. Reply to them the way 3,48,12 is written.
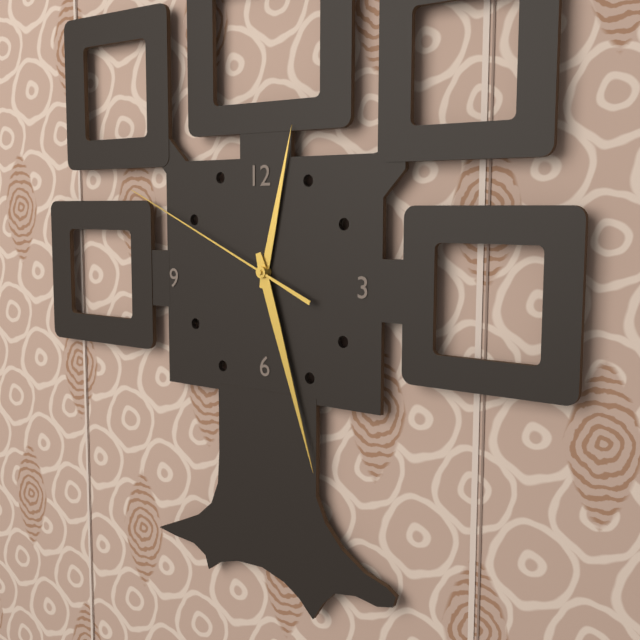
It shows 12,27,49
